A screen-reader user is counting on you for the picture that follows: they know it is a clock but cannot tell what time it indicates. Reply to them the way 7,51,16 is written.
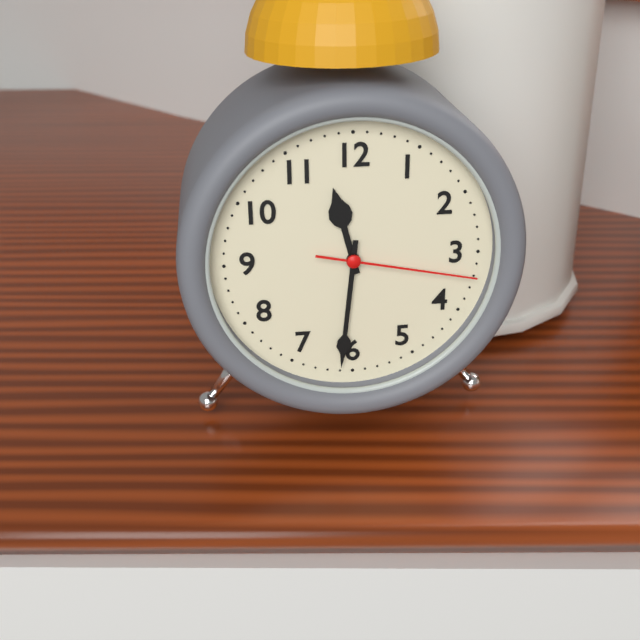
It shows 11,31,17
